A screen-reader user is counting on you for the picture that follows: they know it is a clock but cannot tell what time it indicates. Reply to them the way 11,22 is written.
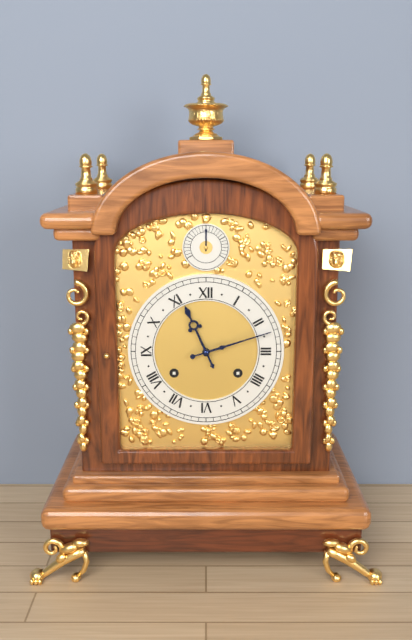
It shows 11,12
